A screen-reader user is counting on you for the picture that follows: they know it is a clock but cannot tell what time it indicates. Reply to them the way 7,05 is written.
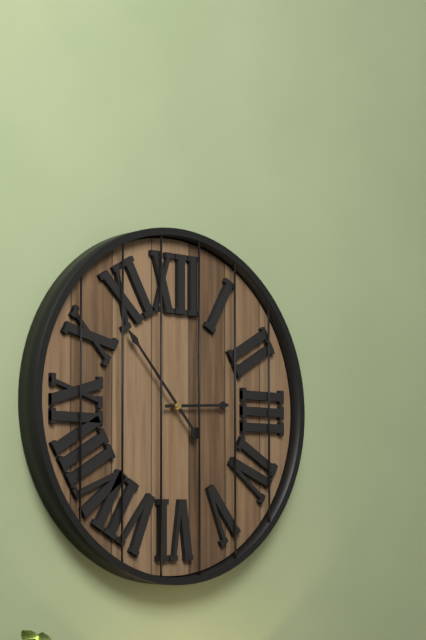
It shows 2,53
